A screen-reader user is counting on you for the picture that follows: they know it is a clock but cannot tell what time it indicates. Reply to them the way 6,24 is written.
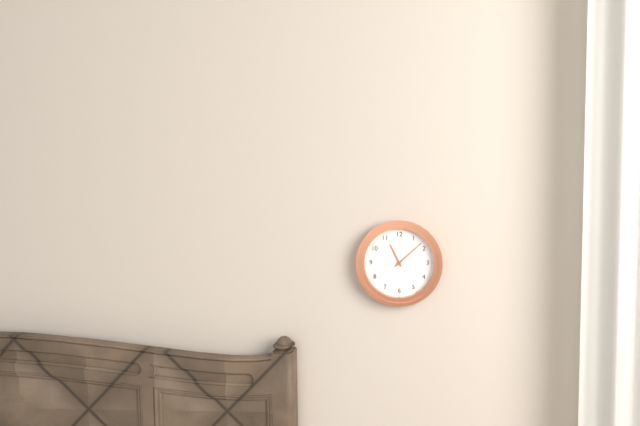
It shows 11,08
